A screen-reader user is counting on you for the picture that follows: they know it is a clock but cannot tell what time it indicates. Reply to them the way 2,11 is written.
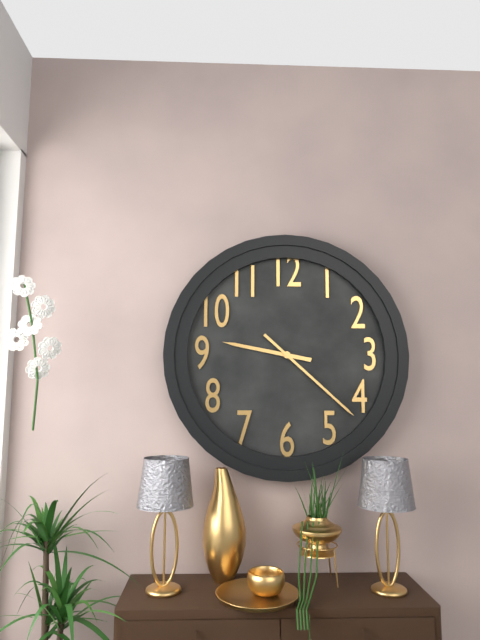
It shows 9,22
